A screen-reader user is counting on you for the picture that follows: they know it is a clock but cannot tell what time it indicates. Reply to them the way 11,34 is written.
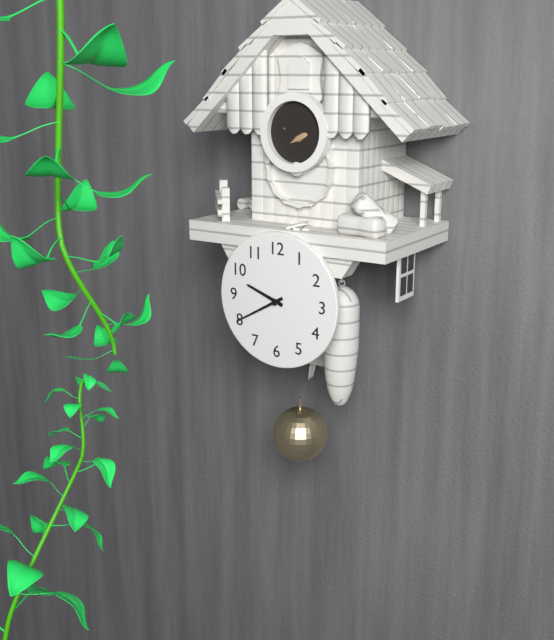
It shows 9,40
